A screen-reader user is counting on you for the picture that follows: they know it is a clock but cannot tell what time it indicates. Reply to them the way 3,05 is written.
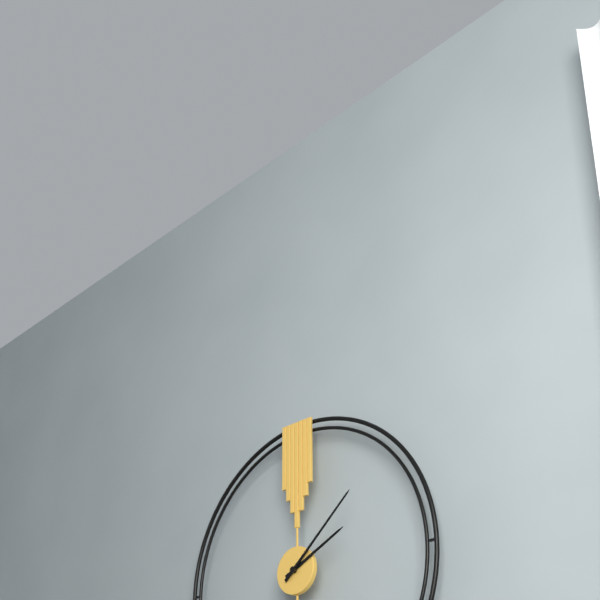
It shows 2,08
